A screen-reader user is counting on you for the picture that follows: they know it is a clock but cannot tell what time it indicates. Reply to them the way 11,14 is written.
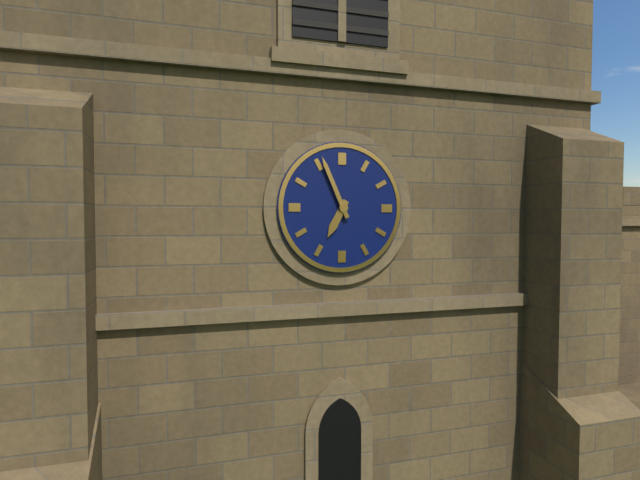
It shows 6,56
